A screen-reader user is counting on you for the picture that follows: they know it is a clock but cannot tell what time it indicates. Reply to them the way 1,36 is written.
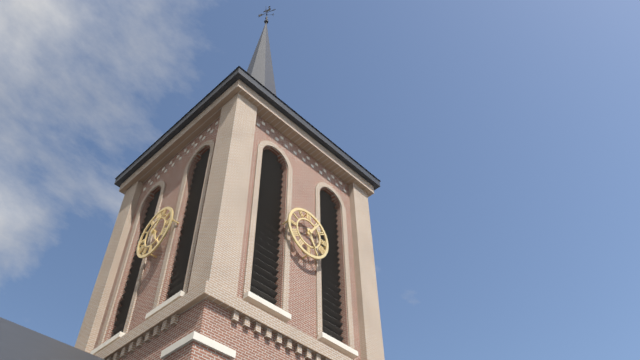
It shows 5,06
